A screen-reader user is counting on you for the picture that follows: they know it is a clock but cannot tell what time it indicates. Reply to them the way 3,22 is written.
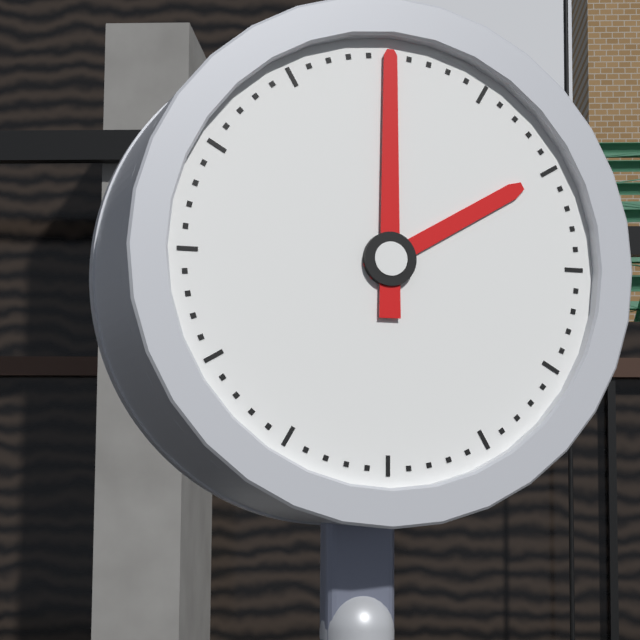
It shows 2,00
